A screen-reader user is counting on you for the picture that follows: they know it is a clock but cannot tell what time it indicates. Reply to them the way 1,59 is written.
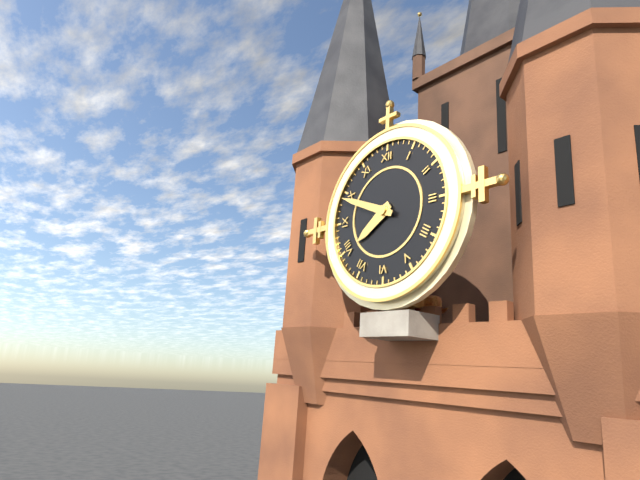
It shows 7,49
